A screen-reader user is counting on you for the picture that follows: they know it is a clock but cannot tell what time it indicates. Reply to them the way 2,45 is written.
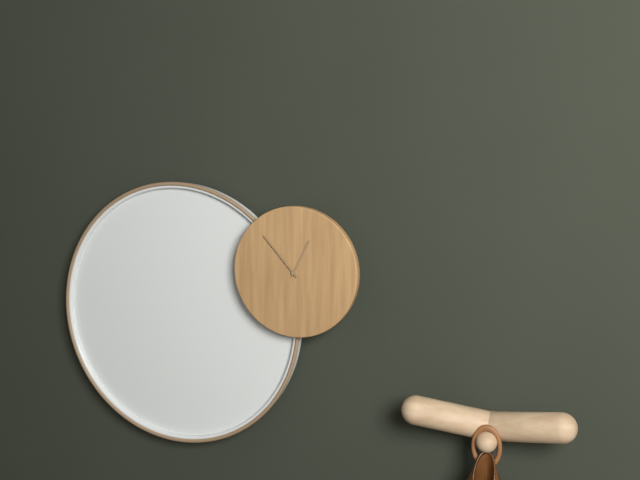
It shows 12,53
